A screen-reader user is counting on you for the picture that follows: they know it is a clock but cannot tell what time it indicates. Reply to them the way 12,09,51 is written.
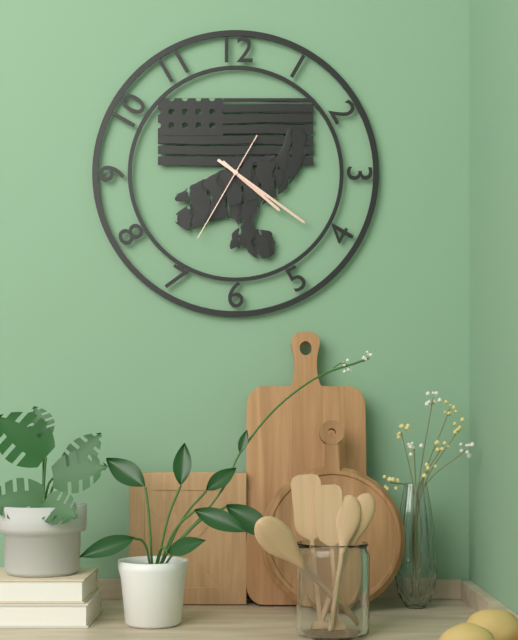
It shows 4,21,35
